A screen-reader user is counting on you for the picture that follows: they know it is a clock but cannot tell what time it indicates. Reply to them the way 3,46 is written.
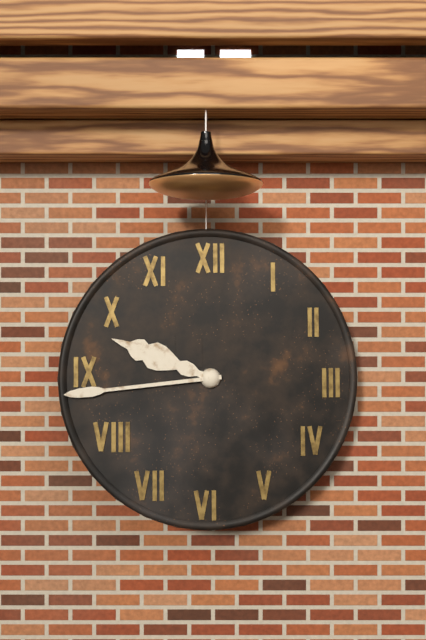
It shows 9,44
